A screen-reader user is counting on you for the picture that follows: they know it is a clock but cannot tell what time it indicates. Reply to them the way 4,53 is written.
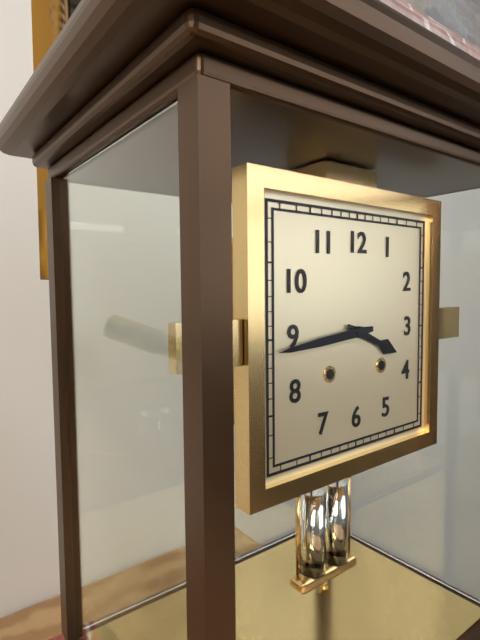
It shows 3,44
